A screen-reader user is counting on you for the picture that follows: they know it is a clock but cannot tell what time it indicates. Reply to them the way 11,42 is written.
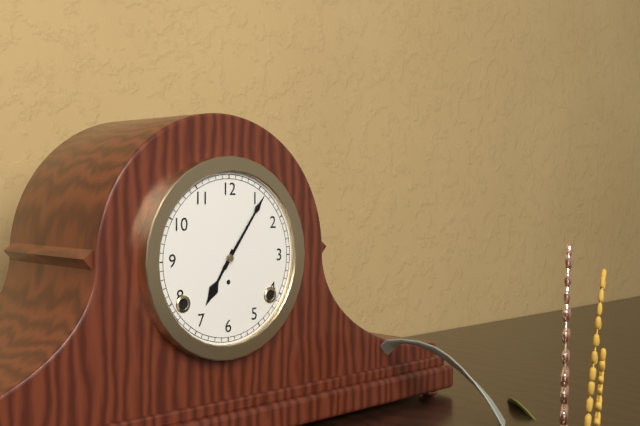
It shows 7,06
